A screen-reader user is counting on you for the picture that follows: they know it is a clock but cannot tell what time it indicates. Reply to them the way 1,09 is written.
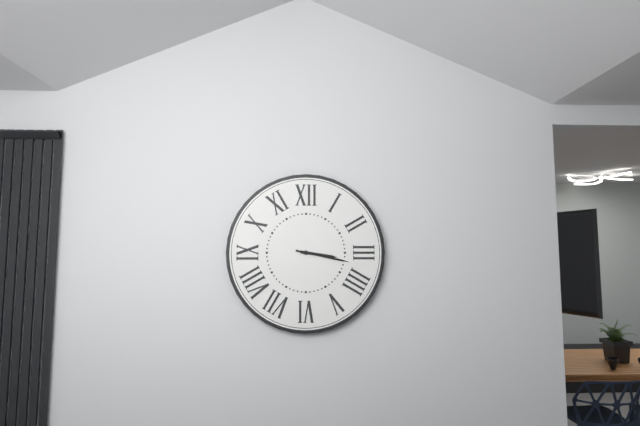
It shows 3,17
